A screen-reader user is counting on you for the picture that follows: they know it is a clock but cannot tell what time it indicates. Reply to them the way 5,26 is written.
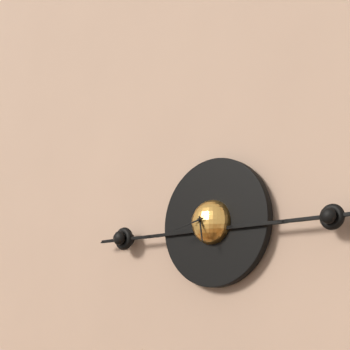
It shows 5,43
